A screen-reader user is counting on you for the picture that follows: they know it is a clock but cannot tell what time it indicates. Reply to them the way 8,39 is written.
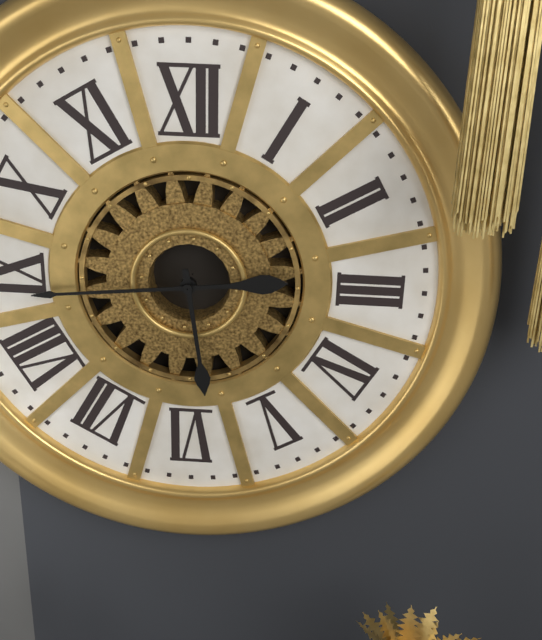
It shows 5,44
